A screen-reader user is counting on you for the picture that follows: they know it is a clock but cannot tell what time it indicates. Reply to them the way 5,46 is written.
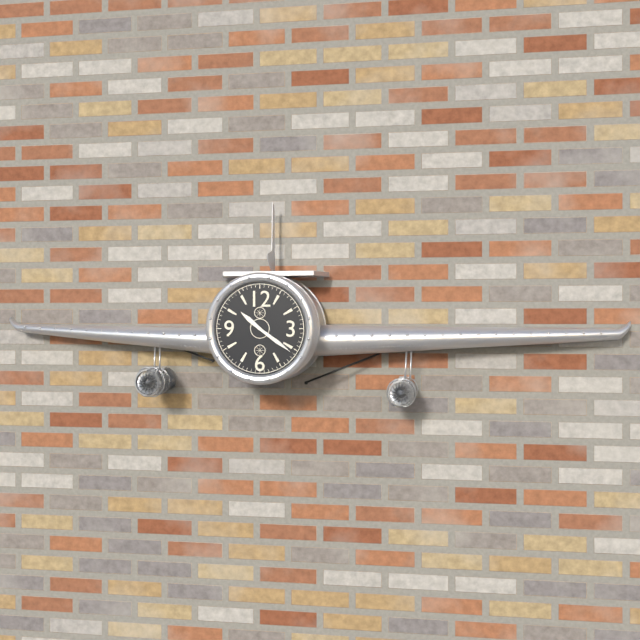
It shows 10,21
